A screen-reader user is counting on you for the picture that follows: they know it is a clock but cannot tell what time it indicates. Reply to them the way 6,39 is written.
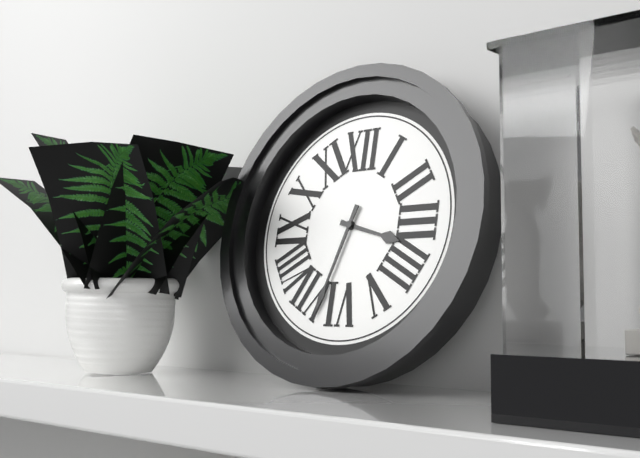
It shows 3,33
